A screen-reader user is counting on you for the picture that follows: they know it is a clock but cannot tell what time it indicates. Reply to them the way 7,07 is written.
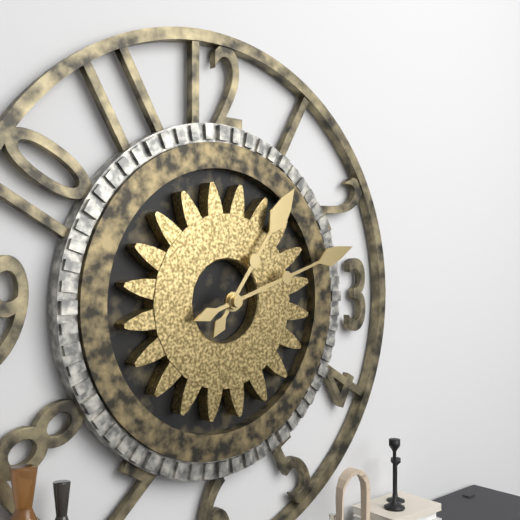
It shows 1,12
